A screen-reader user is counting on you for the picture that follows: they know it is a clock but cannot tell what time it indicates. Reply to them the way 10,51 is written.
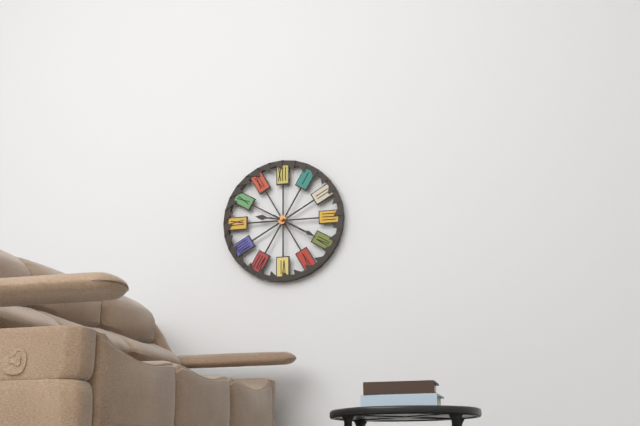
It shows 9,20
